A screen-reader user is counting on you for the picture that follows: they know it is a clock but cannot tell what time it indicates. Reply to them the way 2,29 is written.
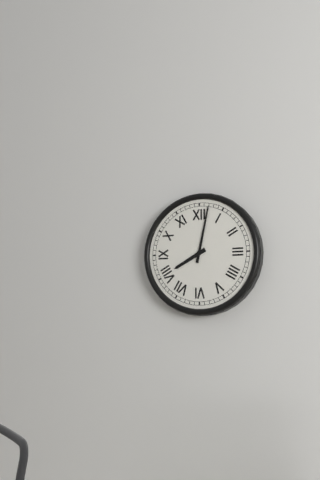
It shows 8,02
